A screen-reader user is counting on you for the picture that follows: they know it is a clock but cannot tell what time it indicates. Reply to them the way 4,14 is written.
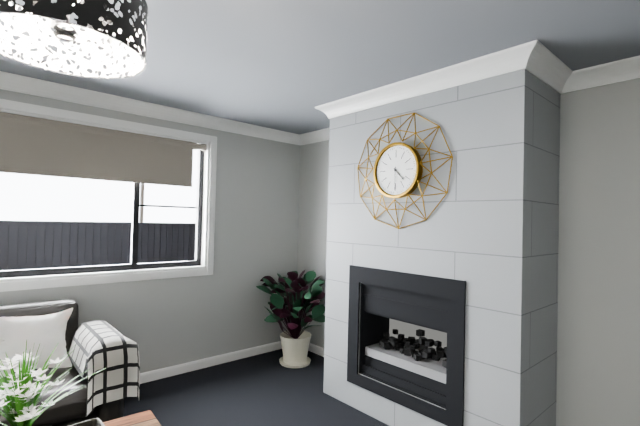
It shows 4,30
